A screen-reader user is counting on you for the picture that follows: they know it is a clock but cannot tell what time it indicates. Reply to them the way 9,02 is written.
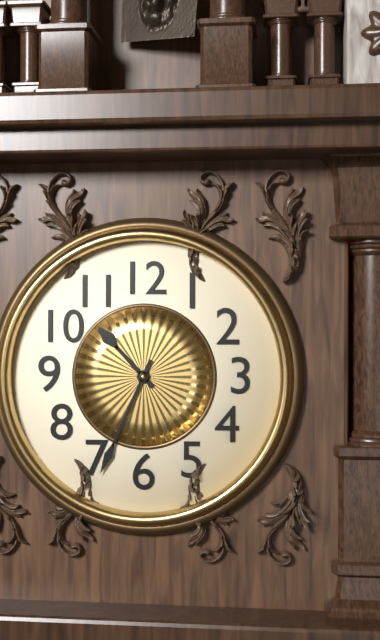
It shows 10,34
